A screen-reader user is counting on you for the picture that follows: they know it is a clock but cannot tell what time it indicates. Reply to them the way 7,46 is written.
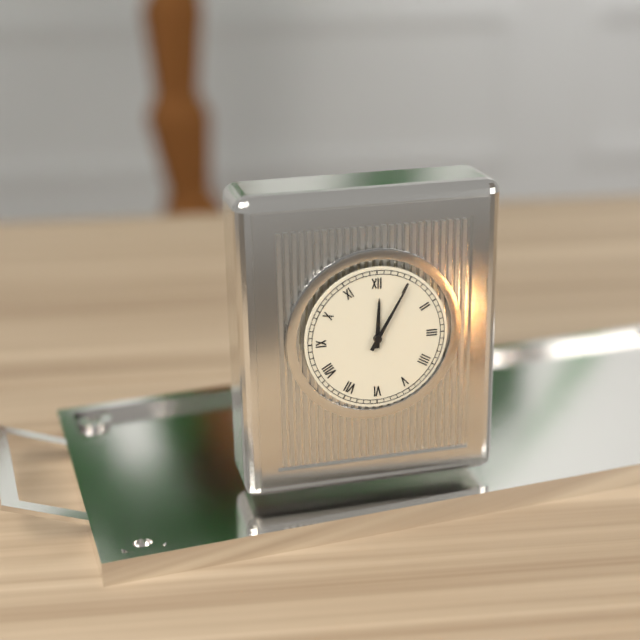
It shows 12,05
